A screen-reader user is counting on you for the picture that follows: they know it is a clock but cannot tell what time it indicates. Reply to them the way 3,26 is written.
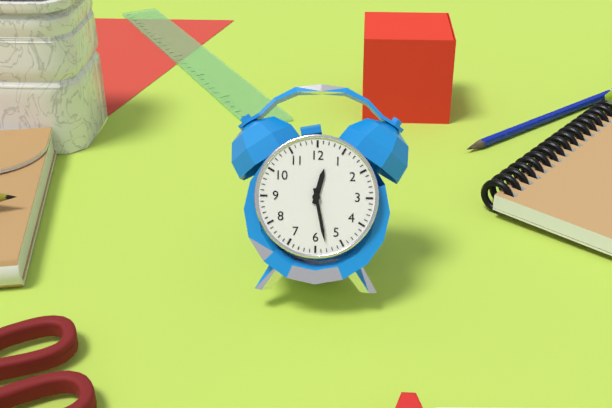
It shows 12,28
